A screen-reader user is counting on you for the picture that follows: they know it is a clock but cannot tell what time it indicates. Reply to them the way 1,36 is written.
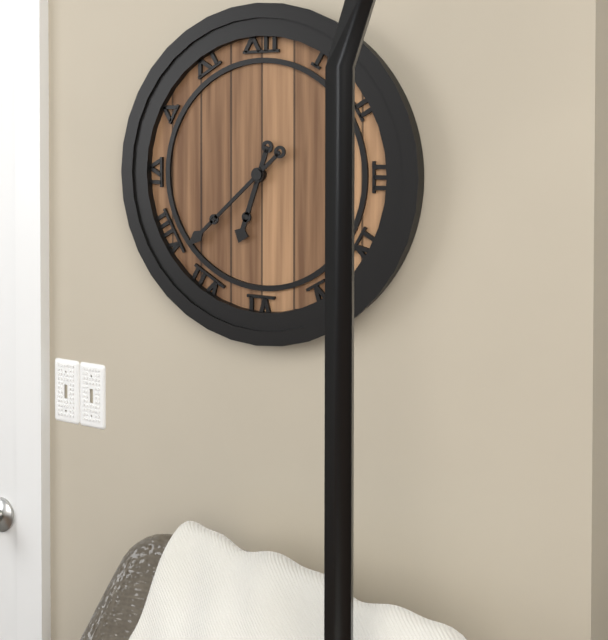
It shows 6,38
